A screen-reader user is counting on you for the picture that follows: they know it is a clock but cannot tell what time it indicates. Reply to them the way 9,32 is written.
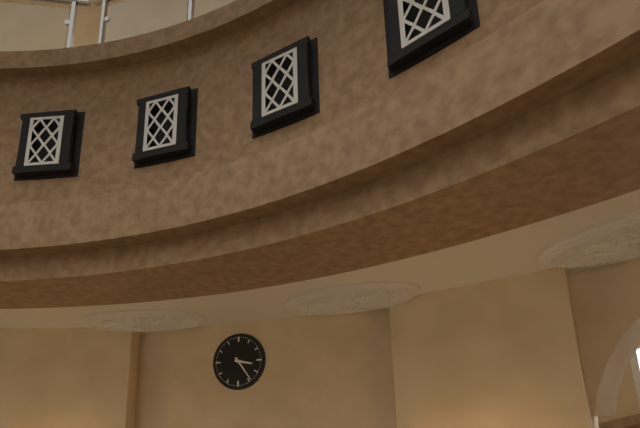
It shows 3,24
